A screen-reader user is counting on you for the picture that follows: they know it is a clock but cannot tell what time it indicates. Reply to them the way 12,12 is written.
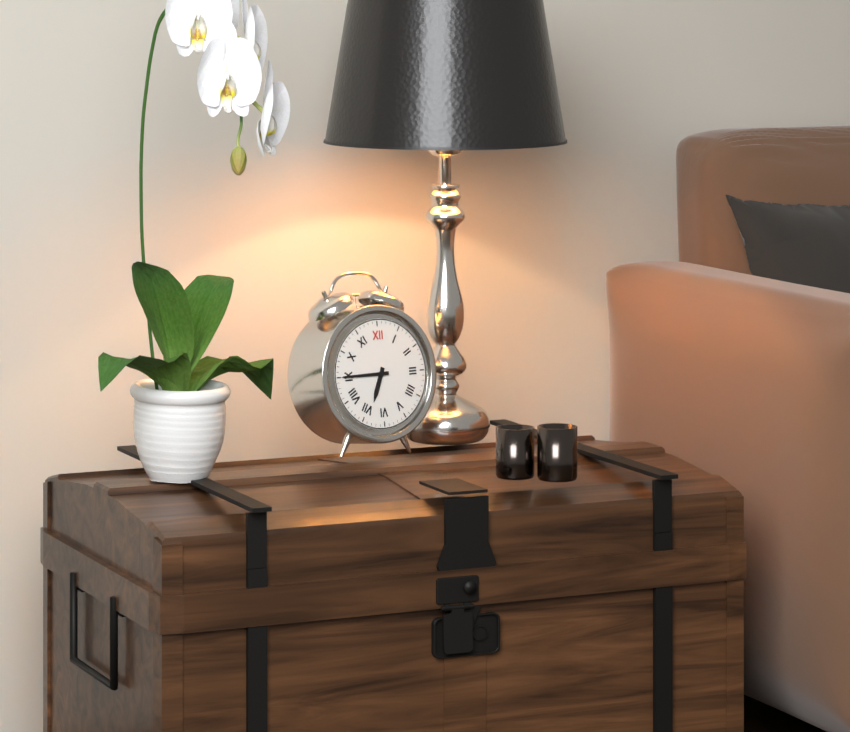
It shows 6,45
